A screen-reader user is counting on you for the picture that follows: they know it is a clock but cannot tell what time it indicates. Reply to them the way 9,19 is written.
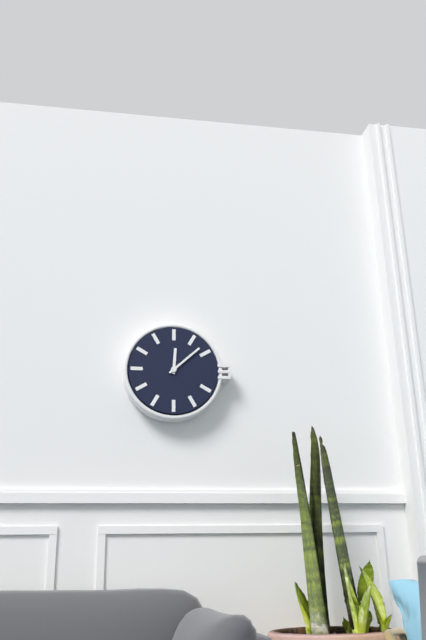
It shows 12,08
